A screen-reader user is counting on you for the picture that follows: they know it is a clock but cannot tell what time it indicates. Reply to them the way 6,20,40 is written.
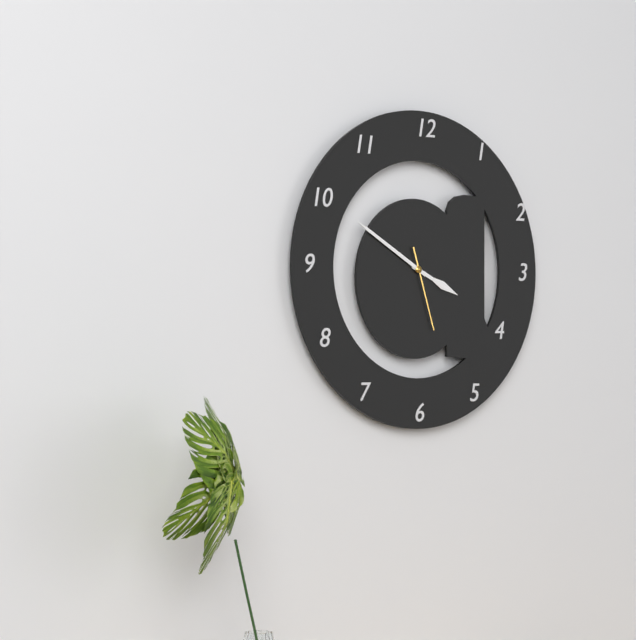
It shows 3,50,27
